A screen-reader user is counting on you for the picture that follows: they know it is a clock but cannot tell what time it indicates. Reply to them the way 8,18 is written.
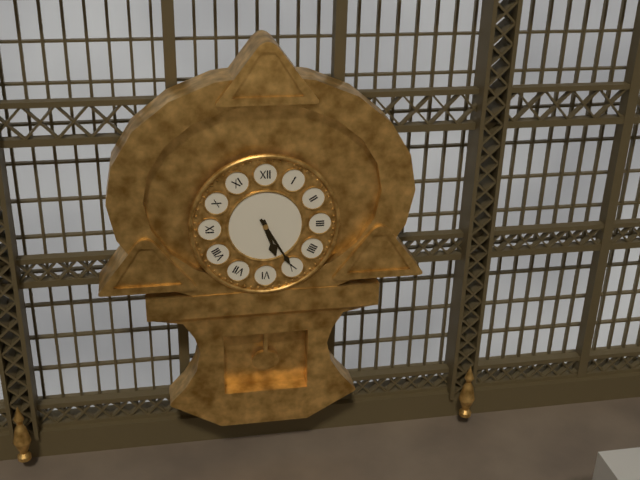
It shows 5,25
